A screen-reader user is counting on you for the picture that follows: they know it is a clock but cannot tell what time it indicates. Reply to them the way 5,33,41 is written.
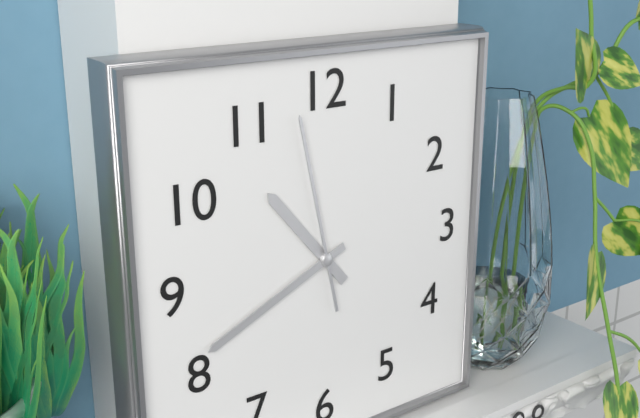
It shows 10,41,58
